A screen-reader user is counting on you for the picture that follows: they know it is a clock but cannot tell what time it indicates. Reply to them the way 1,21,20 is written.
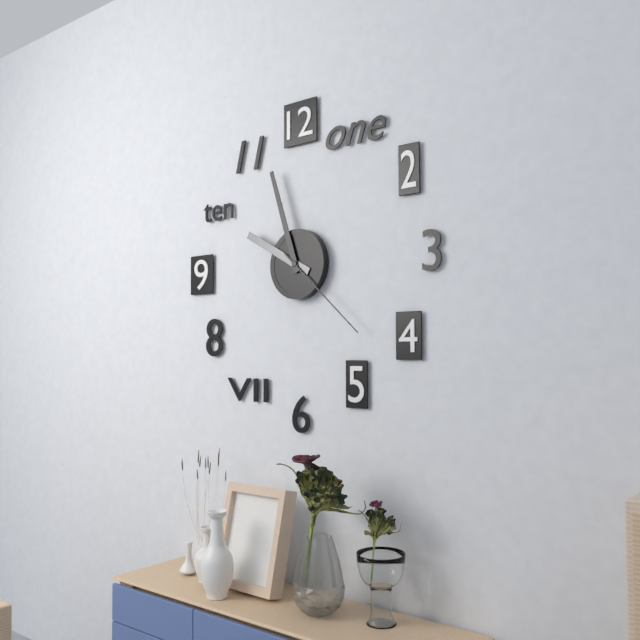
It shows 9,57,22
